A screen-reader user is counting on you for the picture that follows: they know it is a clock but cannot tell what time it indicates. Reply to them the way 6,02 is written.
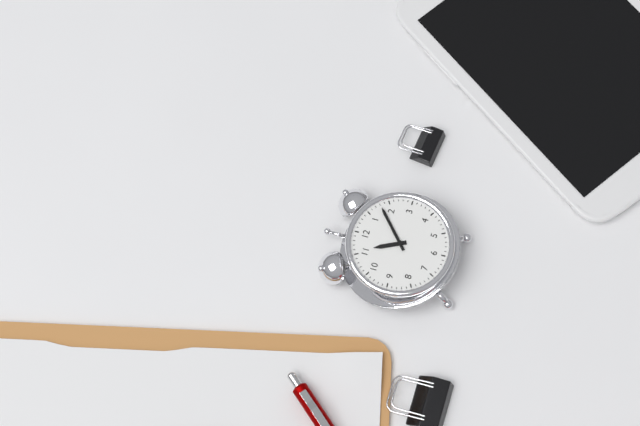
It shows 11,08
